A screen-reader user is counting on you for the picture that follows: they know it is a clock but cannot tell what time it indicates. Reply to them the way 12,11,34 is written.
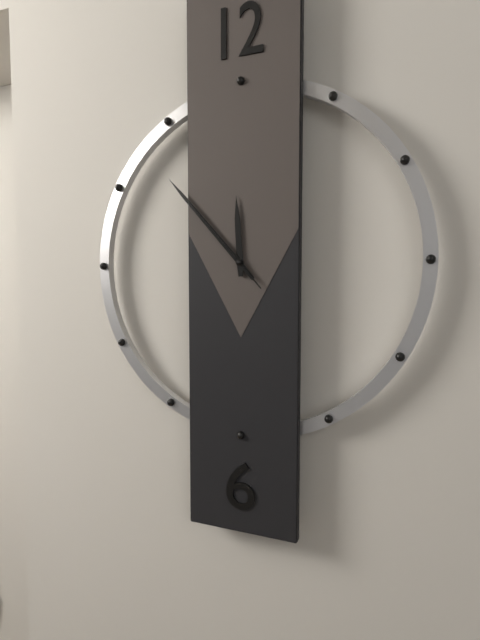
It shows 11,53,53
